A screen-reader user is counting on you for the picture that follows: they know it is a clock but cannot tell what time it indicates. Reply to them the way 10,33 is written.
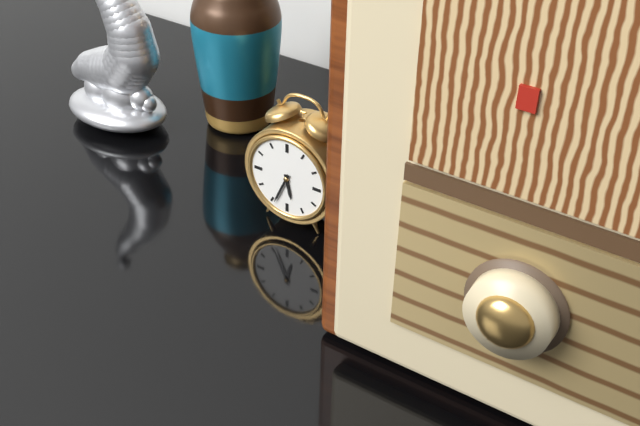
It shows 5,34
